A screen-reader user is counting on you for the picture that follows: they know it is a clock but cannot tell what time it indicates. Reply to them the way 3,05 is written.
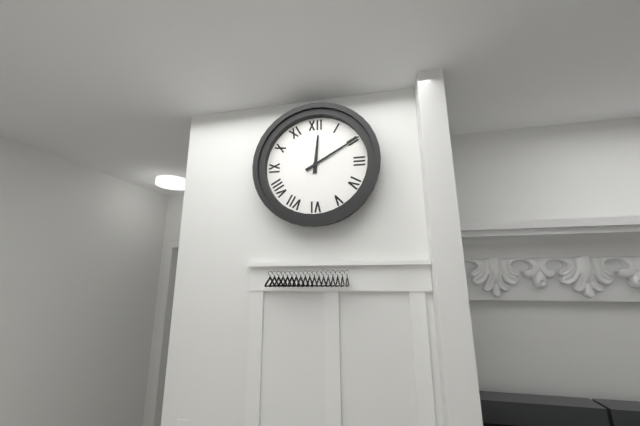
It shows 12,10
